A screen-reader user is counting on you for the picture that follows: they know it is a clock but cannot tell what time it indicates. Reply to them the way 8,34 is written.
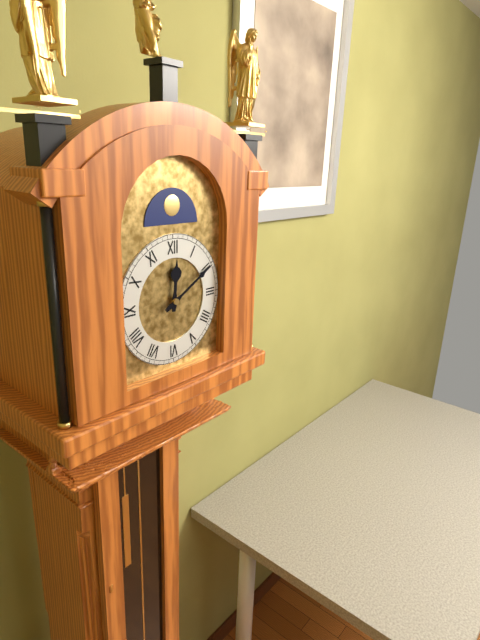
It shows 12,10
